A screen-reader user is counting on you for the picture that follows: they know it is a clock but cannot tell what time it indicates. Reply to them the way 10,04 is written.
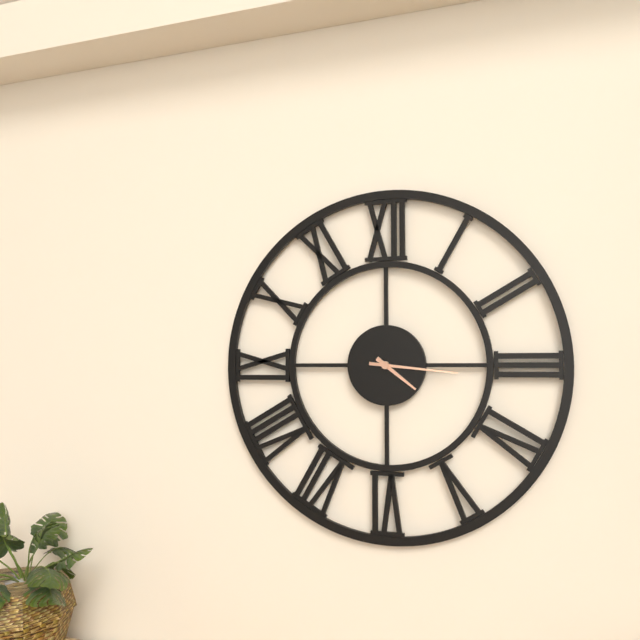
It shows 4,16
